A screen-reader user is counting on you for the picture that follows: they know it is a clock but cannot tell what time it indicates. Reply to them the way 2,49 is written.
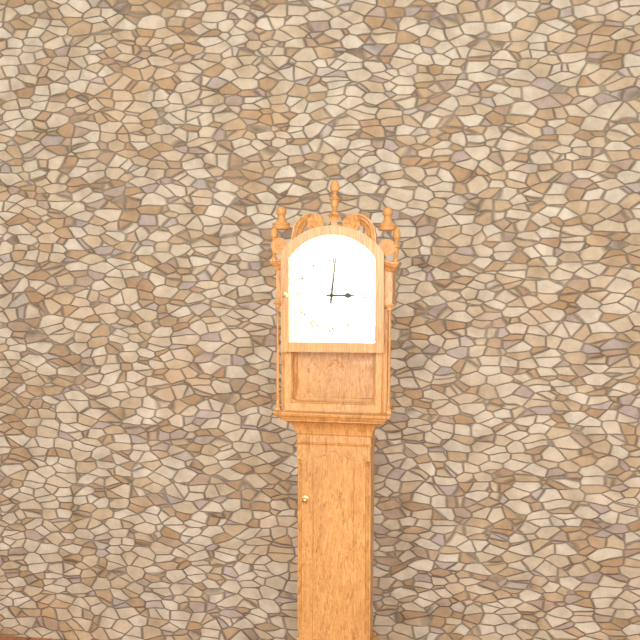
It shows 3,01
